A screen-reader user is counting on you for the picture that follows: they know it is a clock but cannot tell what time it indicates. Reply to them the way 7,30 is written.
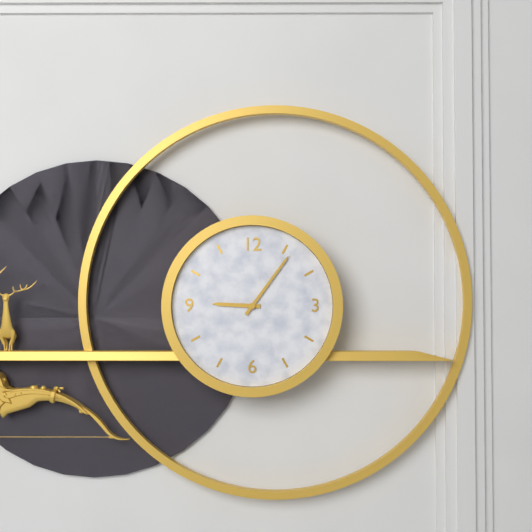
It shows 9,06
